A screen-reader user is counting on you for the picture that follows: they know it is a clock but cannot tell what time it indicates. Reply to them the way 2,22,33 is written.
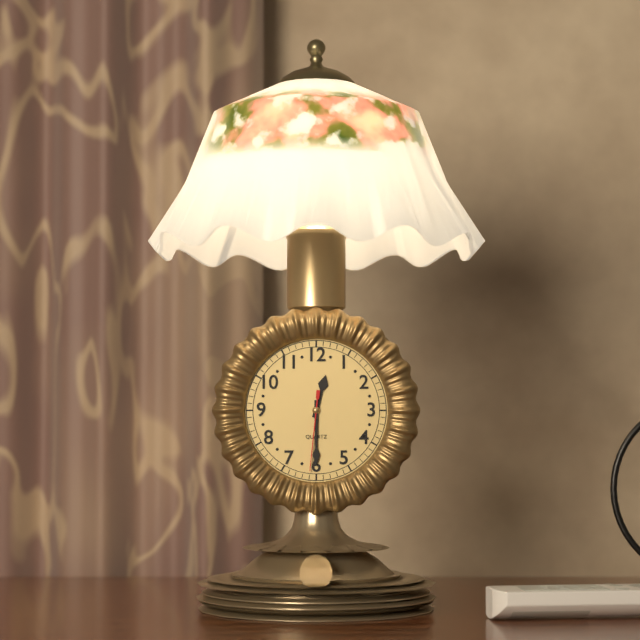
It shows 12,30,31
